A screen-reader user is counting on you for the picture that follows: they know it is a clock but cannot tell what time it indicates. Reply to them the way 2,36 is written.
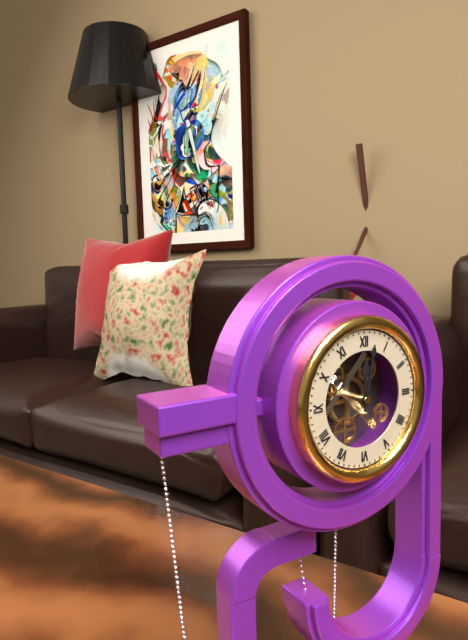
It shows 12,02
